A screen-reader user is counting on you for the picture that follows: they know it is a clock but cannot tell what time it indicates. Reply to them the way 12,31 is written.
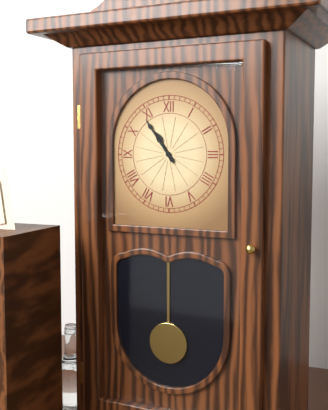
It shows 10,54
